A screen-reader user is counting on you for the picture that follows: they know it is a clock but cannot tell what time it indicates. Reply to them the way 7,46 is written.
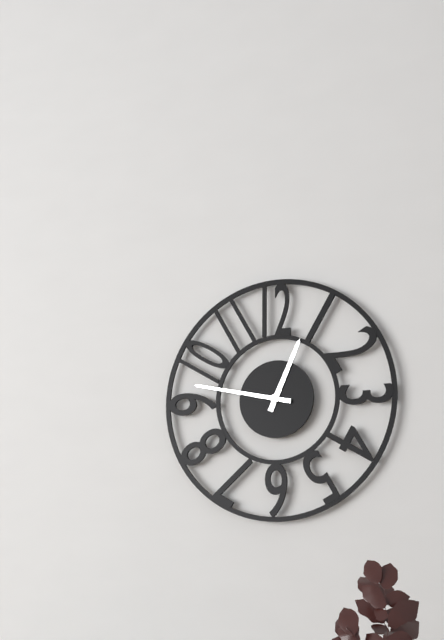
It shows 12,47
